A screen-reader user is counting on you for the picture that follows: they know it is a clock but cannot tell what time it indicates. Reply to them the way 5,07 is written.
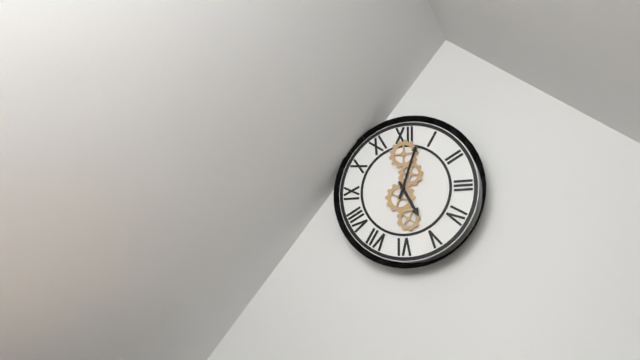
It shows 5,03
